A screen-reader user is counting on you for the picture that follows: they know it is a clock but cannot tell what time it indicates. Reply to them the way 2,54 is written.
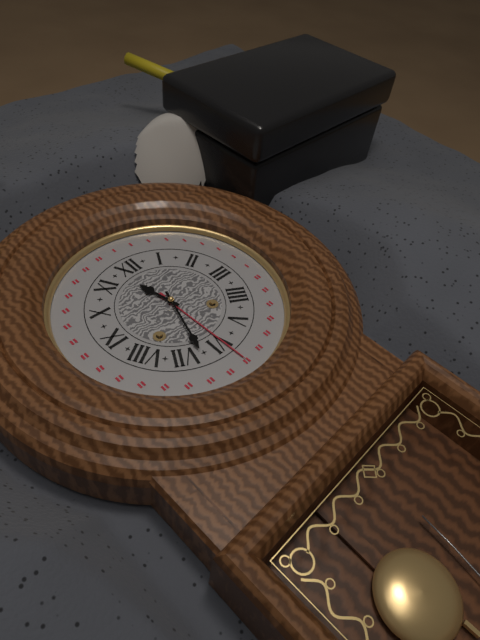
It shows 11,33
